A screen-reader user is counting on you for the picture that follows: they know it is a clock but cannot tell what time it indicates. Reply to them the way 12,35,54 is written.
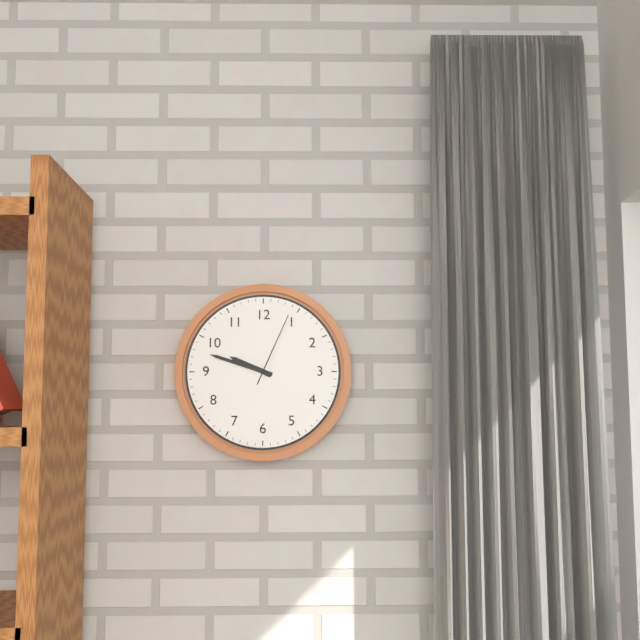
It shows 9,48,04
